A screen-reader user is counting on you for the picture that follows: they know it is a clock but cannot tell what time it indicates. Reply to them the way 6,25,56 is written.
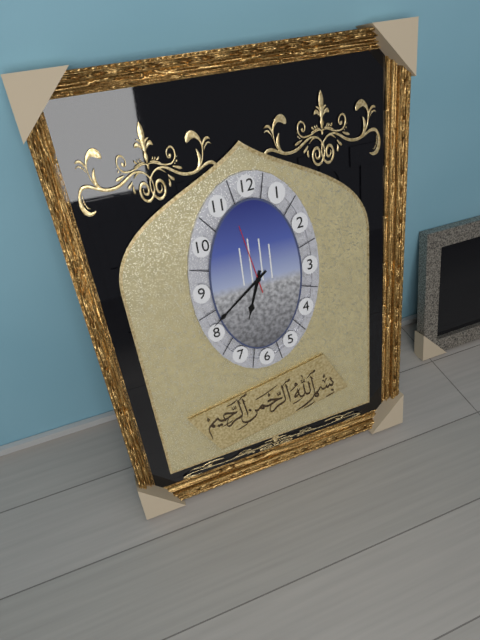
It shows 6,39,58
